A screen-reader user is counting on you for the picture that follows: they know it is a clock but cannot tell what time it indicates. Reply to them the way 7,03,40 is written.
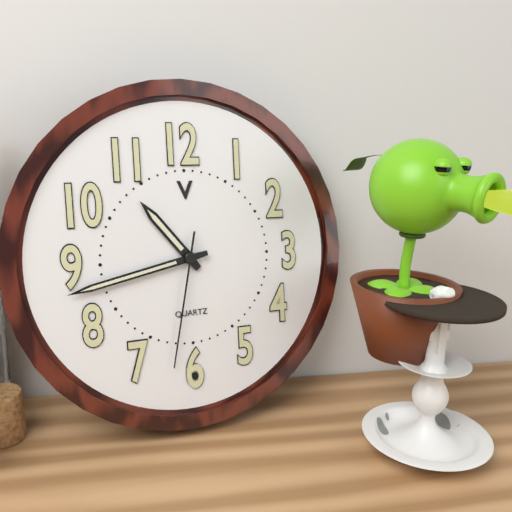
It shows 10,43,32
